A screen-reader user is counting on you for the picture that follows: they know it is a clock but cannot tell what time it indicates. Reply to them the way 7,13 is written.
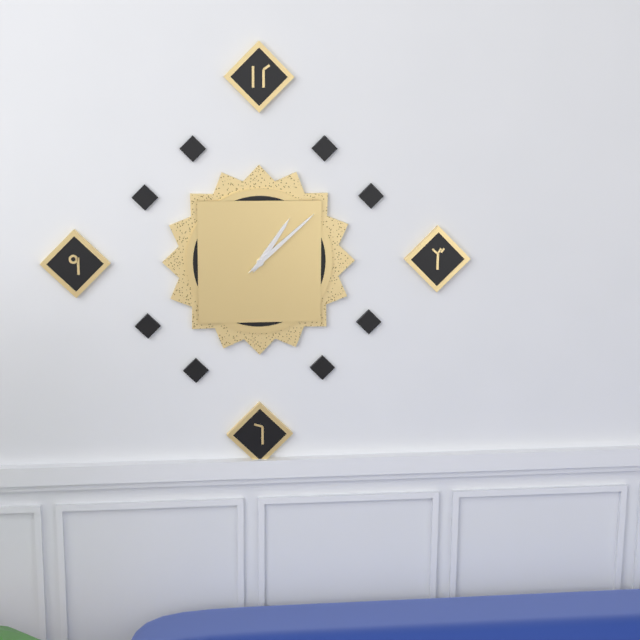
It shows 1,08
